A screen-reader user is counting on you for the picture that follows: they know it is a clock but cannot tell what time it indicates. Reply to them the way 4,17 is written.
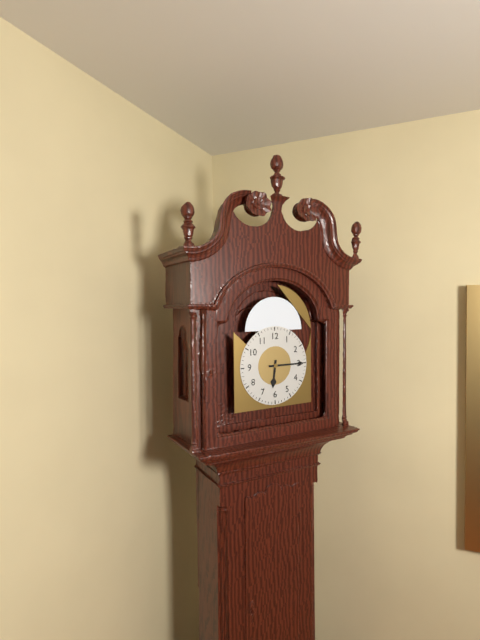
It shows 6,15
